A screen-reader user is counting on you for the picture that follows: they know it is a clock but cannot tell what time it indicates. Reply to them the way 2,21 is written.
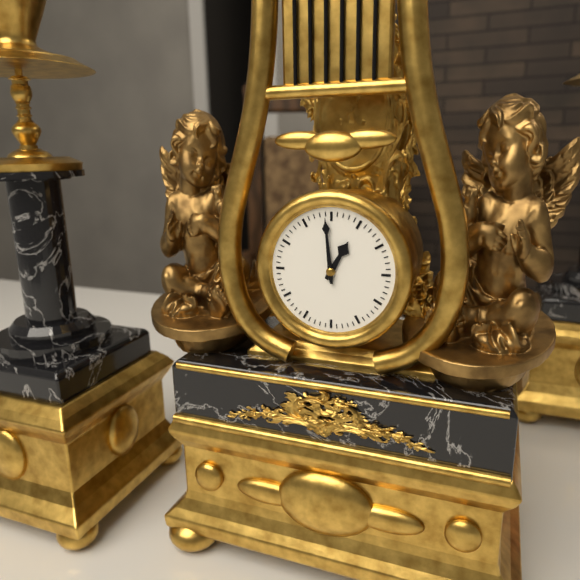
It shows 12,59
